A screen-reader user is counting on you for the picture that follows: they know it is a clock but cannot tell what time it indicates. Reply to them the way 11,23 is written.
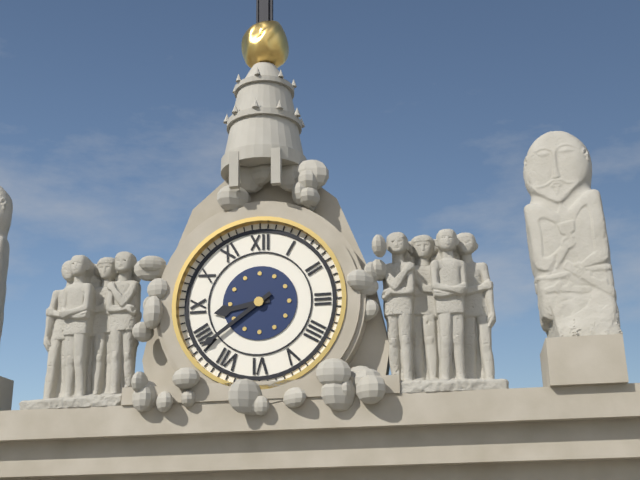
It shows 8,39
